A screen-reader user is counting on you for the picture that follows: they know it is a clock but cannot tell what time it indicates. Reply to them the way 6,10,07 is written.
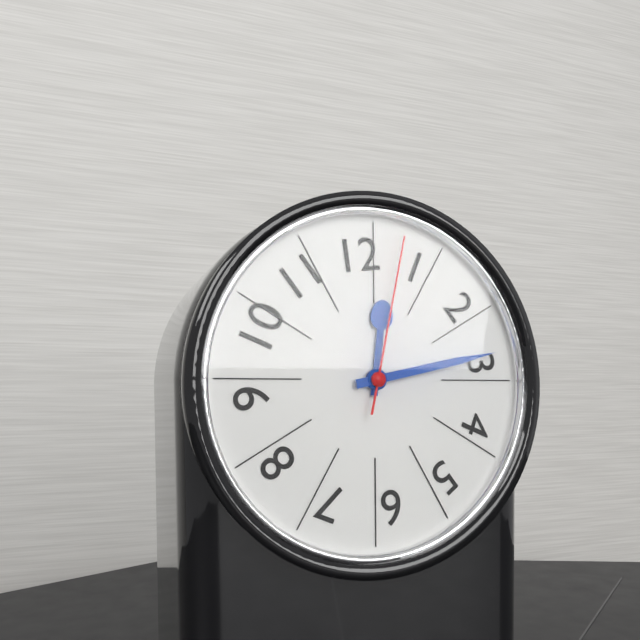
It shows 12,13,02
